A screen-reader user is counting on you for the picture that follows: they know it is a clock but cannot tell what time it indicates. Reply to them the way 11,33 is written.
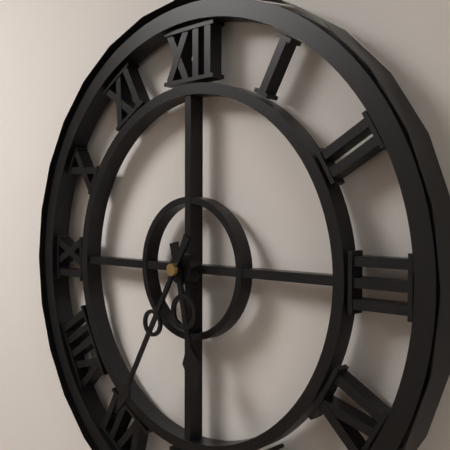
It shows 5,35
